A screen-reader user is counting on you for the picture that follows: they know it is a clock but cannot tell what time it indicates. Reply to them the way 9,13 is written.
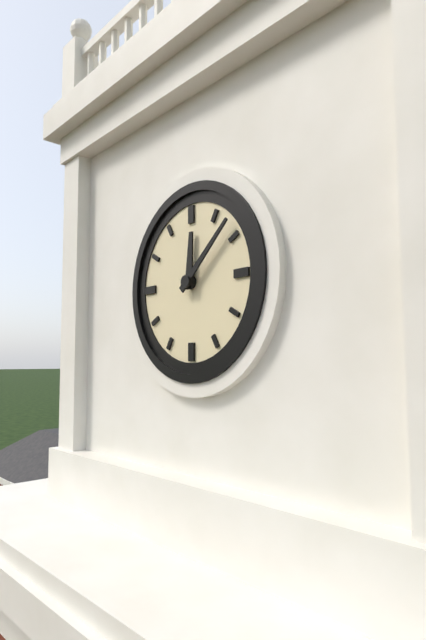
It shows 12,08
